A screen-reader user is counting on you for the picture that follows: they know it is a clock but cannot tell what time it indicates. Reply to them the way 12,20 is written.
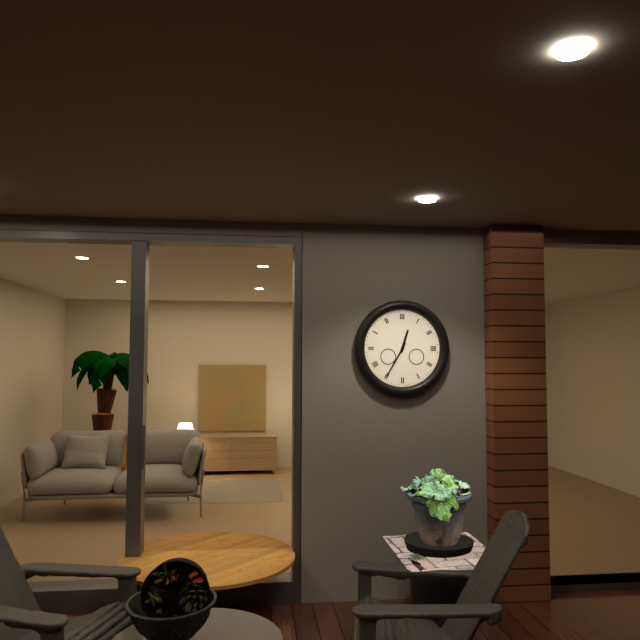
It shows 12,35
